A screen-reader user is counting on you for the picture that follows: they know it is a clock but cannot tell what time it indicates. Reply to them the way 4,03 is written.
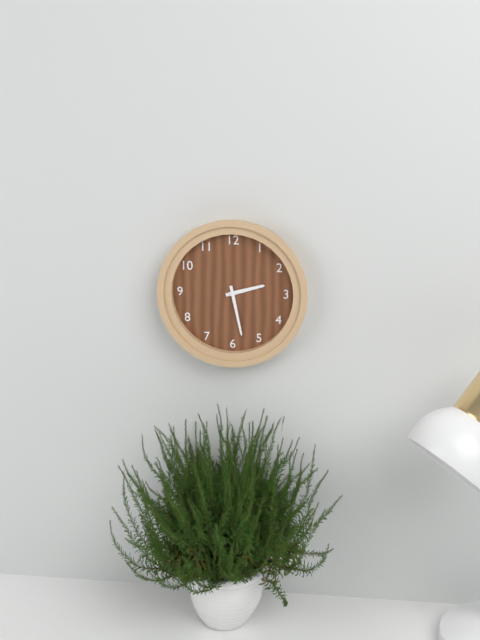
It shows 2,28
